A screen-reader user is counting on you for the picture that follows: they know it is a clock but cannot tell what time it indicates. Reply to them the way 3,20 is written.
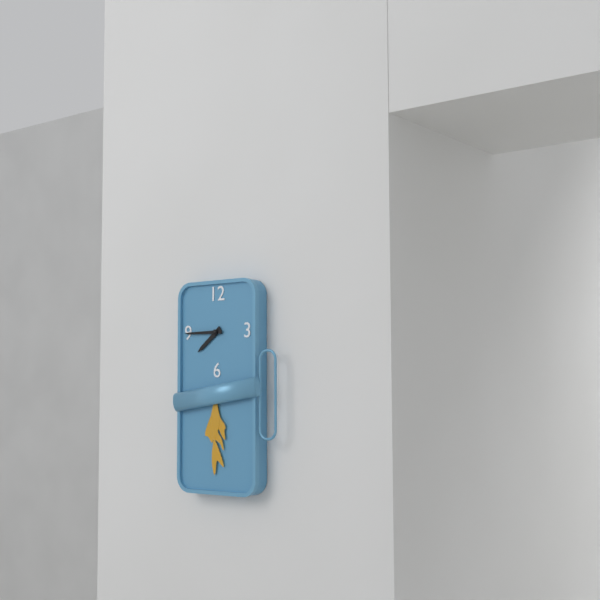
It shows 7,45
